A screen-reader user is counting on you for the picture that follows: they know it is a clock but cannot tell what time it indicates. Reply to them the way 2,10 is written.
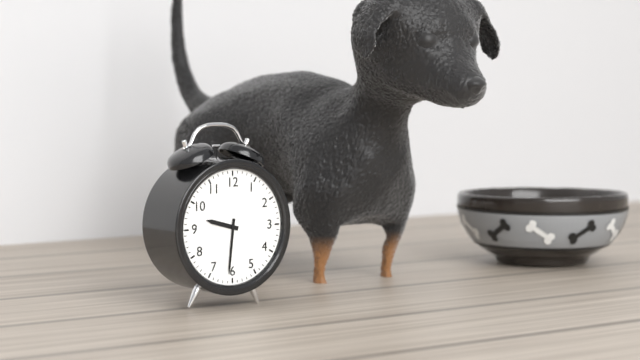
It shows 9,31
